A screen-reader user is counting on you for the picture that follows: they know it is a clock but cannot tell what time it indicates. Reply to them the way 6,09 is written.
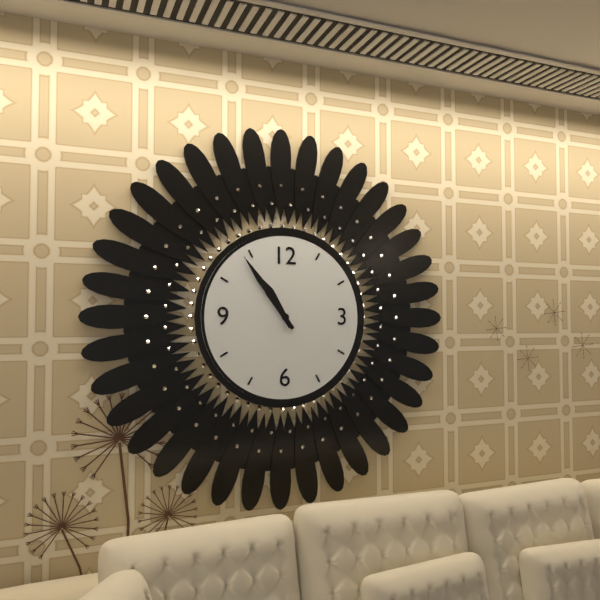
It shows 10,54
